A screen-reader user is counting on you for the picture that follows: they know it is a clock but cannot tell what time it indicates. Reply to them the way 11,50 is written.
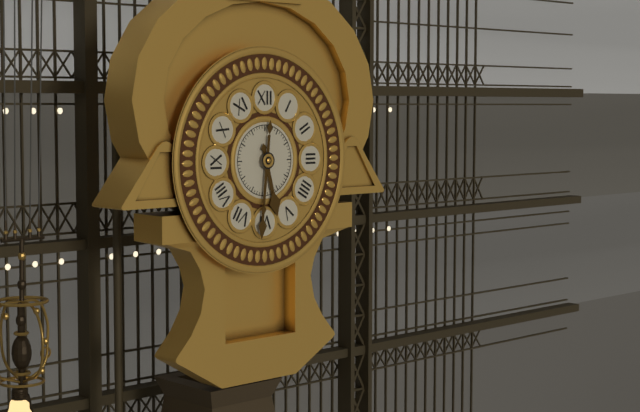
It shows 5,31
